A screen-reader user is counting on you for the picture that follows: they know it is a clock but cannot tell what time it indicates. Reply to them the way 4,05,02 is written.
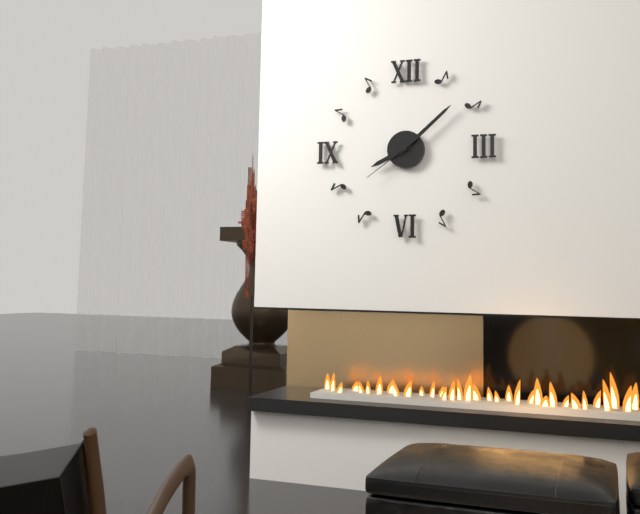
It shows 8,08,39
